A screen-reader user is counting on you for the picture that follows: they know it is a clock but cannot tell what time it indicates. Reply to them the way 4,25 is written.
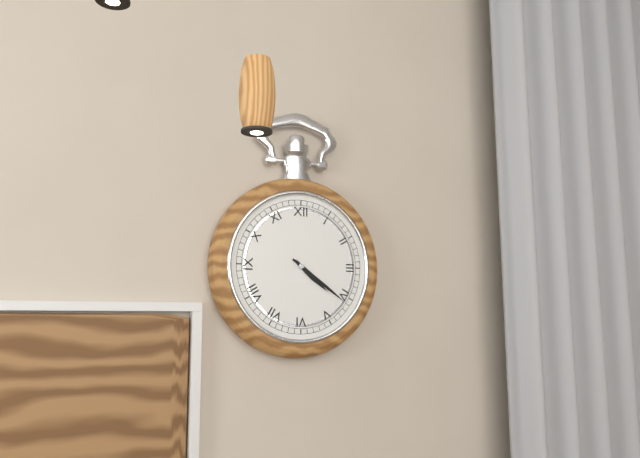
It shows 4,21
